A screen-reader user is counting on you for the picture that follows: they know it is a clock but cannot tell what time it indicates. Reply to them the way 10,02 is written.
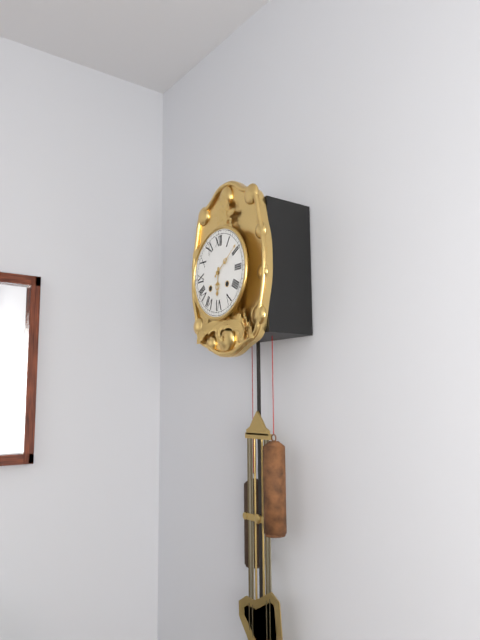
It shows 6,09
